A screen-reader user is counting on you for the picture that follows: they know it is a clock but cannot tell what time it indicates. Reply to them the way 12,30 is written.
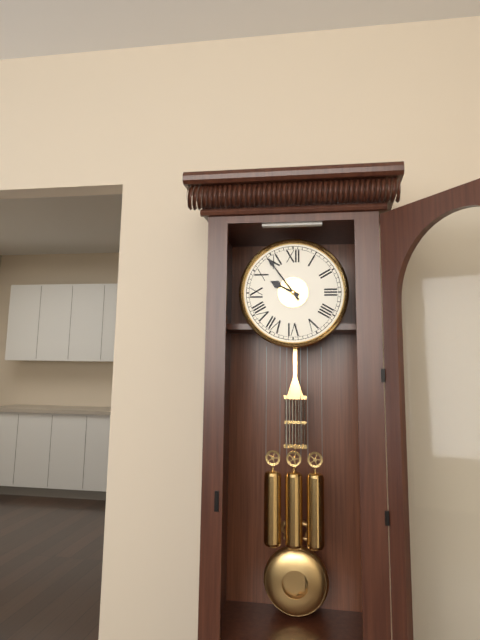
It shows 9,54
